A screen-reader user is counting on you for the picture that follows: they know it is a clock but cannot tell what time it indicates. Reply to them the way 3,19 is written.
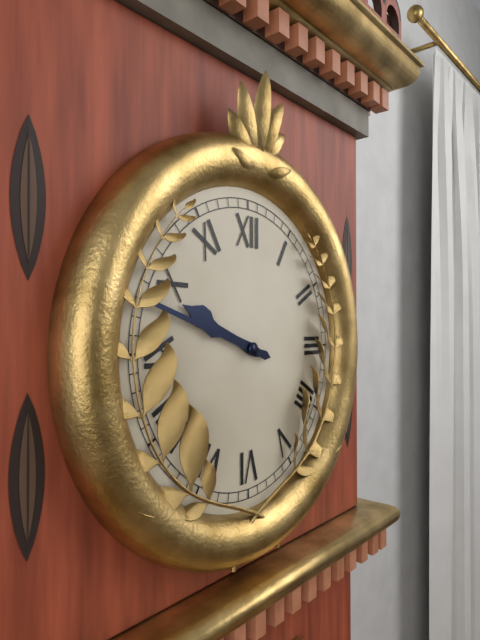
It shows 9,48
